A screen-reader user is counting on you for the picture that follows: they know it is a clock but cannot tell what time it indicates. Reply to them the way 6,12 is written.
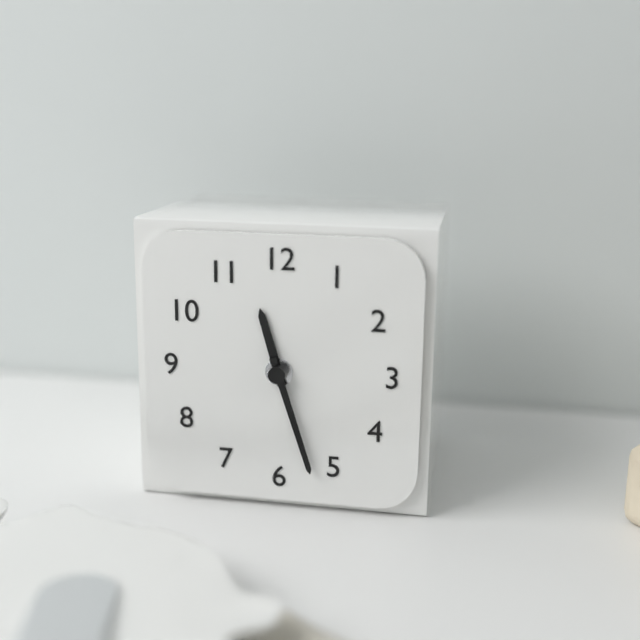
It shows 11,27
